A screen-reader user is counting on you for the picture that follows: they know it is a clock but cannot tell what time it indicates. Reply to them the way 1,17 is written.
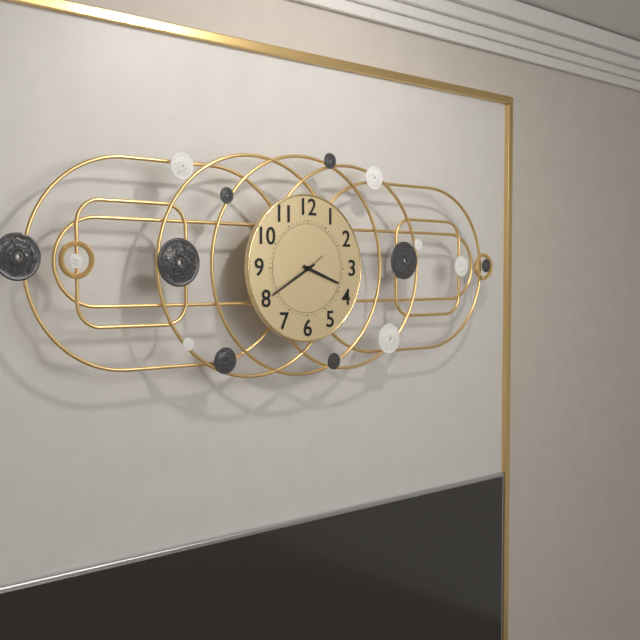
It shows 3,40
